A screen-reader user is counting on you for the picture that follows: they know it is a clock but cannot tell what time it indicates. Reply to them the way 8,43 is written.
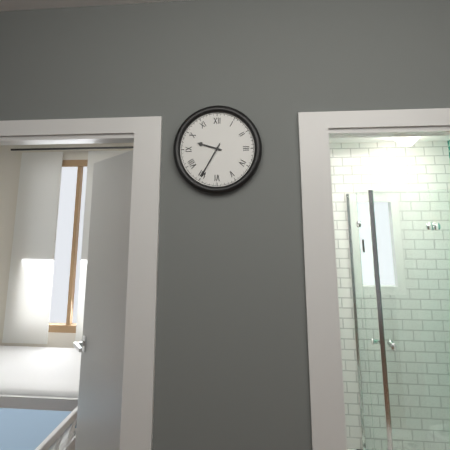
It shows 9,35
